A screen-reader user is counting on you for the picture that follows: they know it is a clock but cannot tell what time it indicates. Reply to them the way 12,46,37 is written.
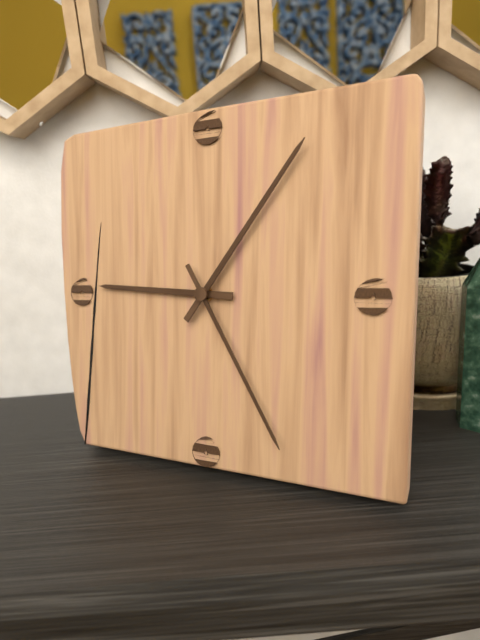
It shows 9,06,25
